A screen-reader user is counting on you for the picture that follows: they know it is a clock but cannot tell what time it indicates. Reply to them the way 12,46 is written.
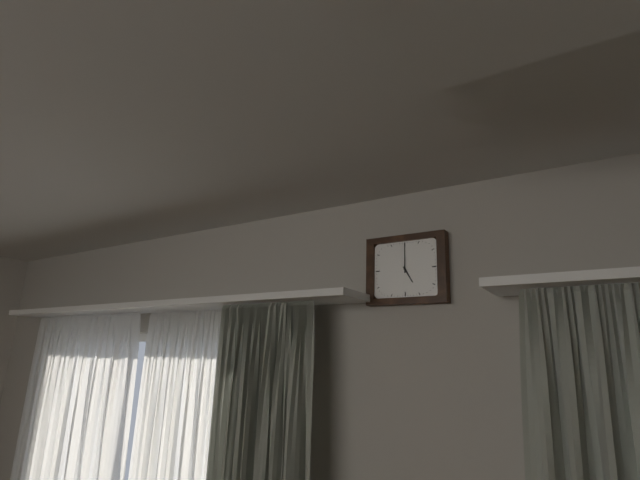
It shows 5,00
